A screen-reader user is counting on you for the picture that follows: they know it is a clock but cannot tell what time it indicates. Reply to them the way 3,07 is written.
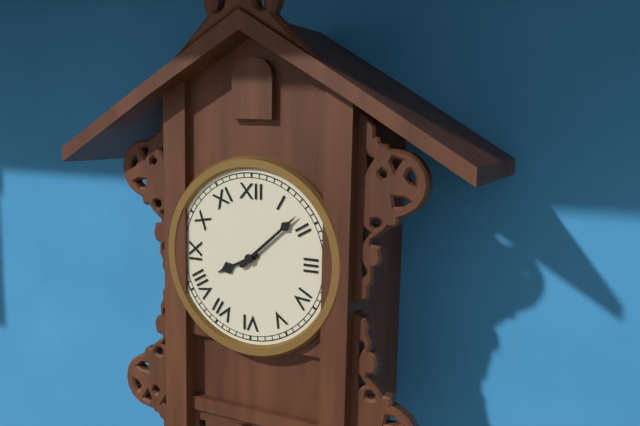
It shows 8,08
